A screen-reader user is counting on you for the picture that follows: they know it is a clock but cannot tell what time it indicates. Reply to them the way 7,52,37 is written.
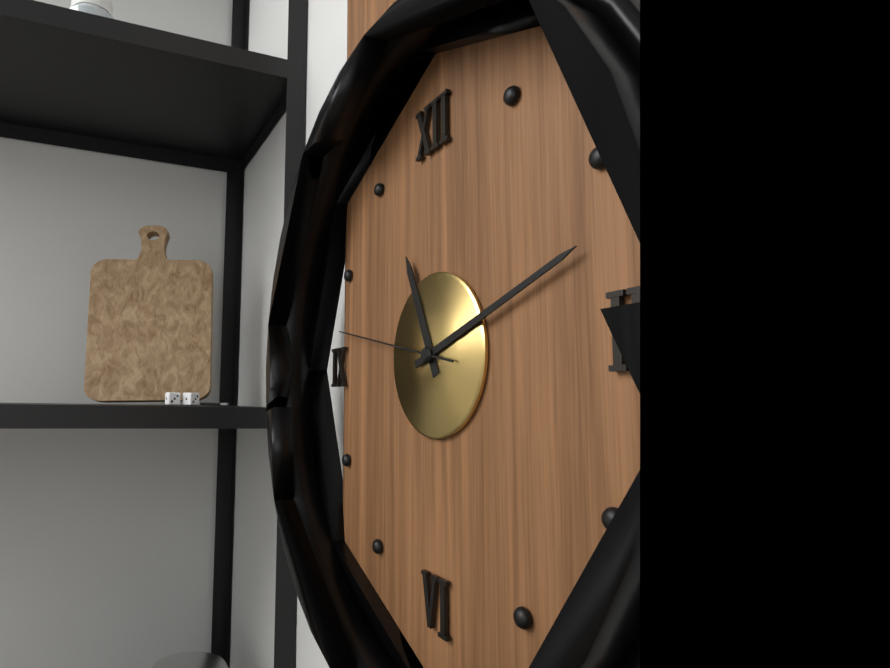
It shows 11,12,47
